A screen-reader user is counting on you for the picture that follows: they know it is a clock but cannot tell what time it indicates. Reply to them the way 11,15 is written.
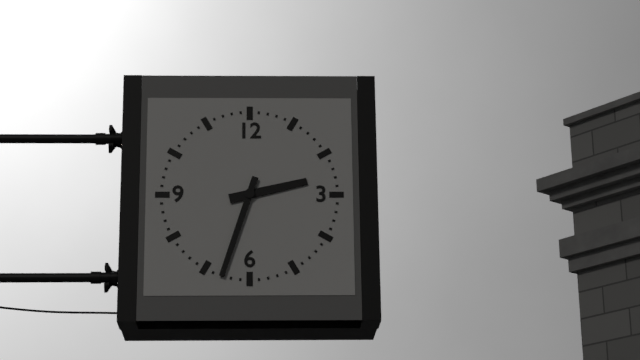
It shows 2,33
